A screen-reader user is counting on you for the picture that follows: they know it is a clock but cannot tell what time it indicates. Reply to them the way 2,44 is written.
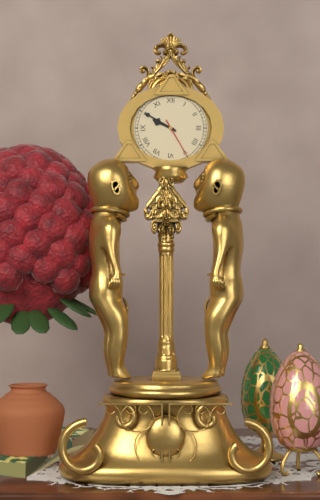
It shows 9,50
